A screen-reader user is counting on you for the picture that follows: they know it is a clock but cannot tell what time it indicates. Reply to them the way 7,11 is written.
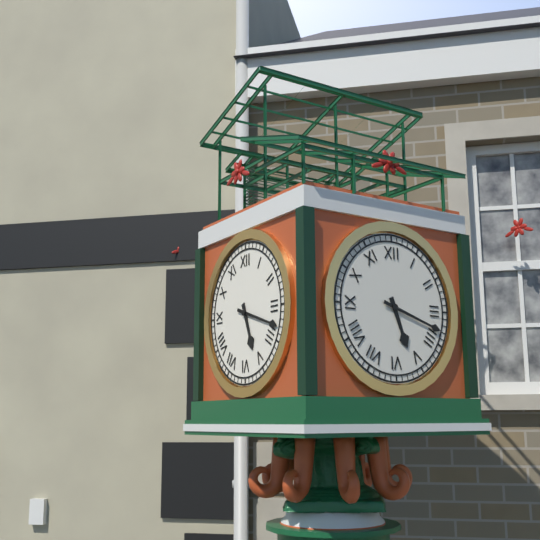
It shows 5,18
